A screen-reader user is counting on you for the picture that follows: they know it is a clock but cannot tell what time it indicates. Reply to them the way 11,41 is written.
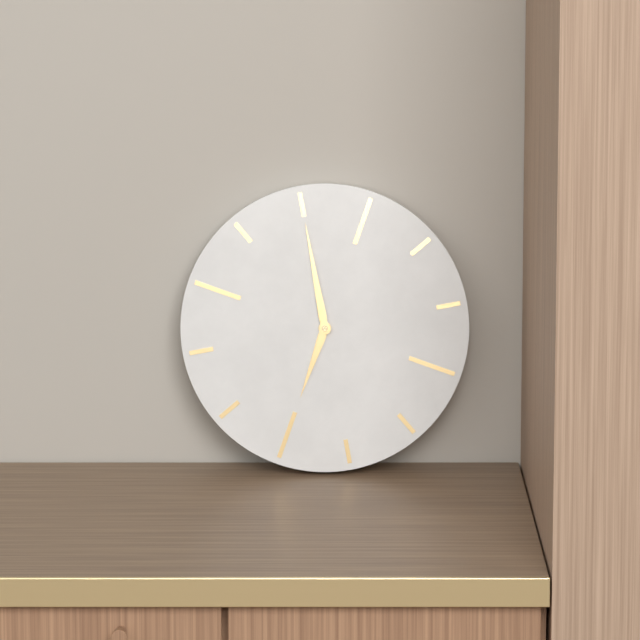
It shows 7,00
